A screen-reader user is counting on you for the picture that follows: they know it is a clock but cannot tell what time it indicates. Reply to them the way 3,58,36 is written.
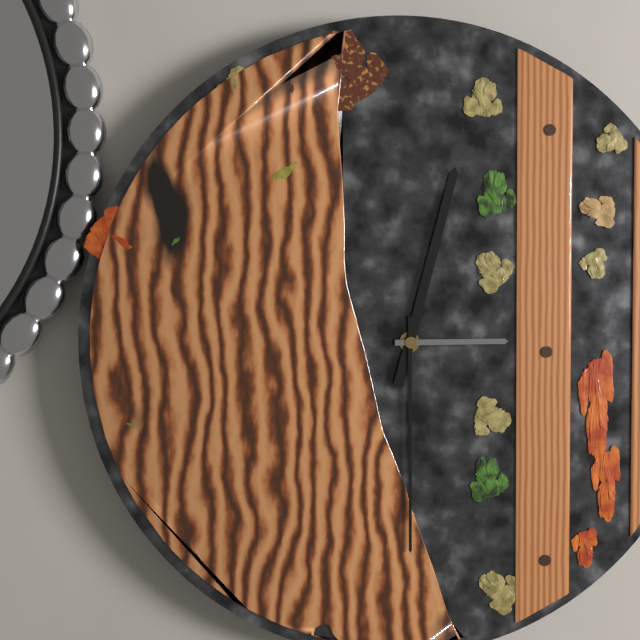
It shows 12,30,15
